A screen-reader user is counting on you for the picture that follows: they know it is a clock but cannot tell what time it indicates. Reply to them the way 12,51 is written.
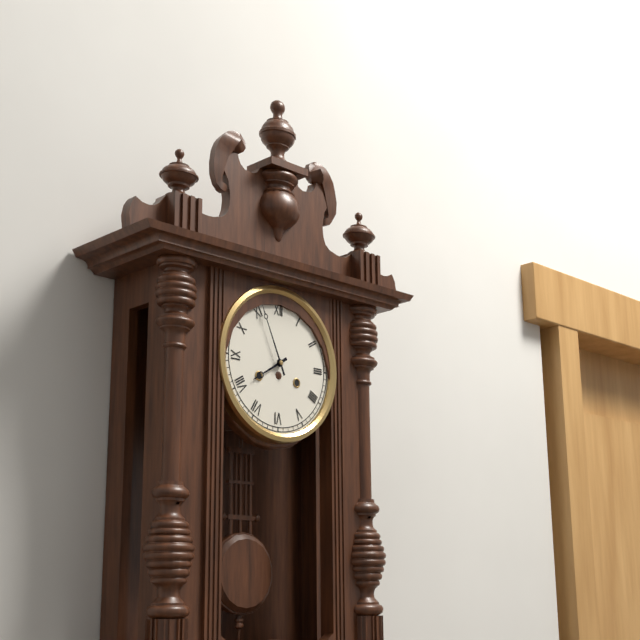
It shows 7,56
